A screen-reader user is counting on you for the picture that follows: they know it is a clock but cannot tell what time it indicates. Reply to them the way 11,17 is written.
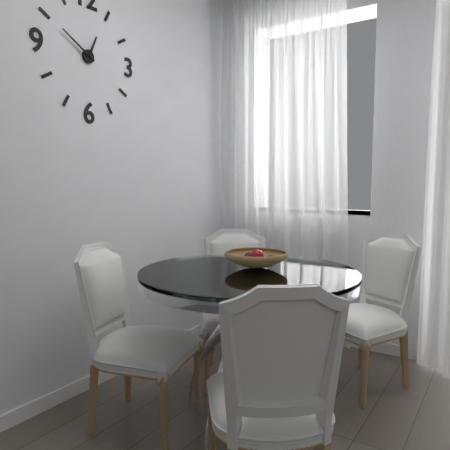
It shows 12,50
